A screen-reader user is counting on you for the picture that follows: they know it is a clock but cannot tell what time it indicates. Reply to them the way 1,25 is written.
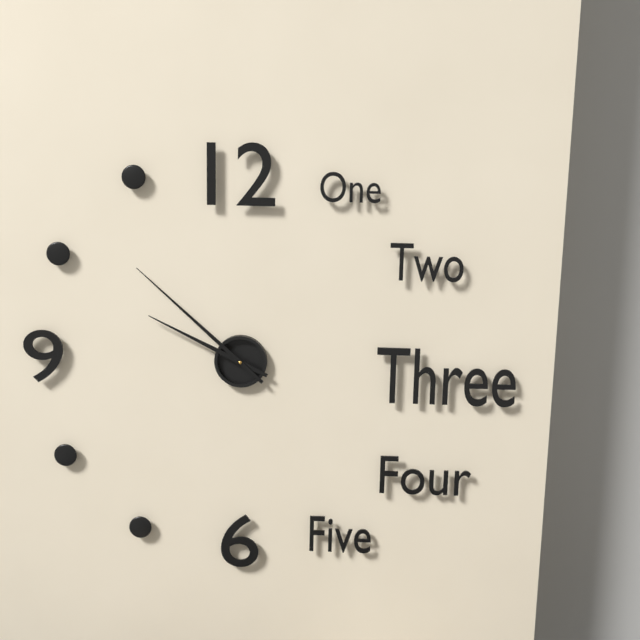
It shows 9,52
